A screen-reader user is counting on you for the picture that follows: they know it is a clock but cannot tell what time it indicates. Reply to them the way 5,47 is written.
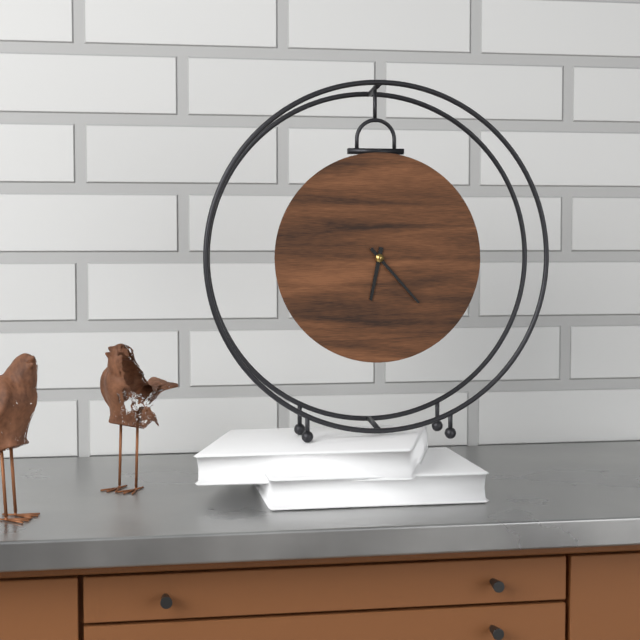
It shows 6,23
